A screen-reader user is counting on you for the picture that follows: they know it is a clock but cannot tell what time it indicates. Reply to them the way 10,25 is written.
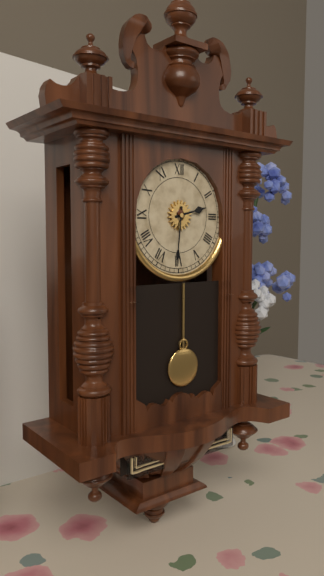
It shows 2,31
